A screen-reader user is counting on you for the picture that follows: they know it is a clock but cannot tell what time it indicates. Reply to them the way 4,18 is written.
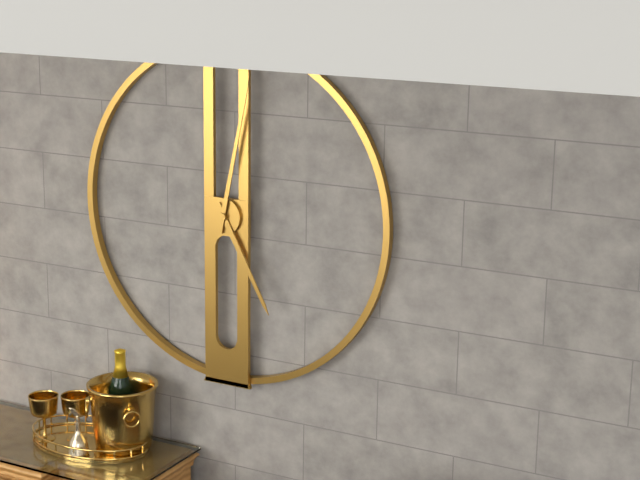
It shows 5,02
